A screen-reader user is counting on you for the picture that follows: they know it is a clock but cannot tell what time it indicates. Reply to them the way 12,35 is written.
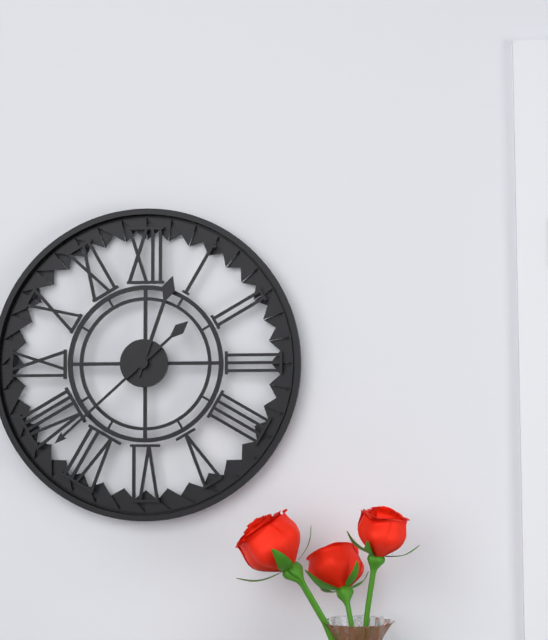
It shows 12,38
